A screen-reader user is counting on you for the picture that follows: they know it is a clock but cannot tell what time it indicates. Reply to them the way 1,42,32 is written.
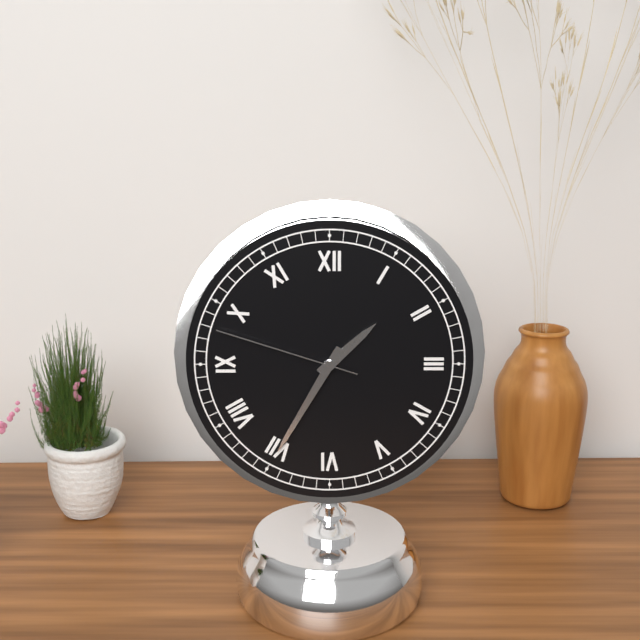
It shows 1,35,48
